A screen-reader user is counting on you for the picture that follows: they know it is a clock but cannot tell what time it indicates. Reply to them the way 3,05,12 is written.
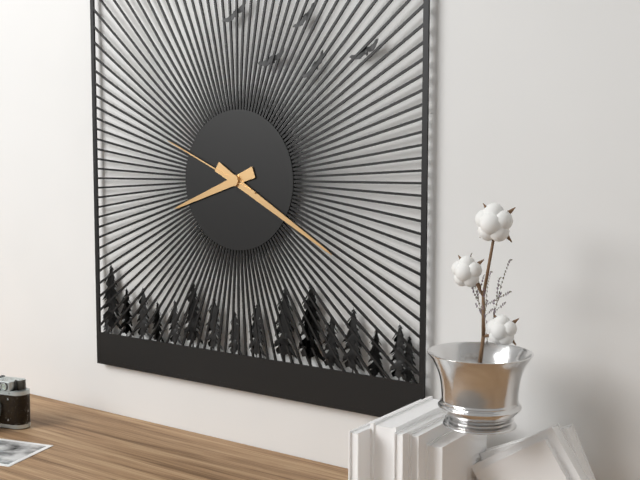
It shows 8,20,49
